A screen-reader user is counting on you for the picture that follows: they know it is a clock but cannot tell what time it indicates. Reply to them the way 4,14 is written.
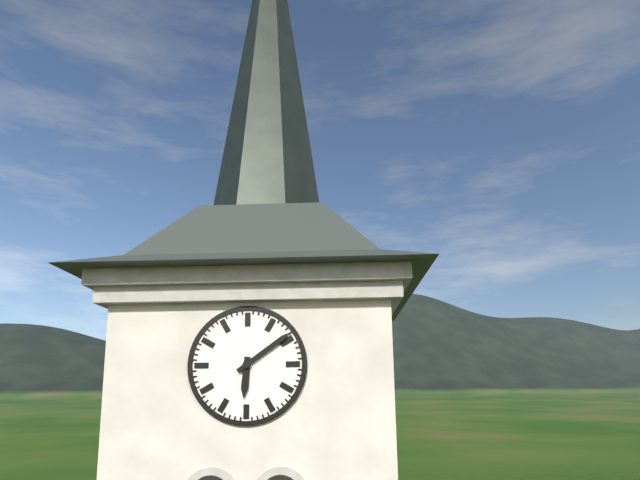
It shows 6,09
